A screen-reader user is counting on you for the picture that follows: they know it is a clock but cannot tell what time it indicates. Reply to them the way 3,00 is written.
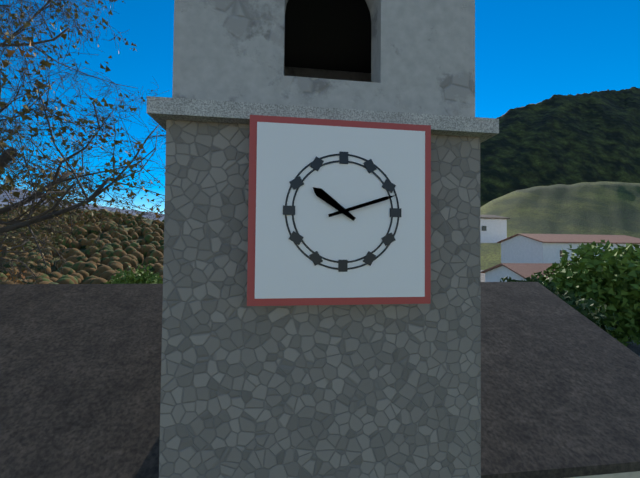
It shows 10,12
